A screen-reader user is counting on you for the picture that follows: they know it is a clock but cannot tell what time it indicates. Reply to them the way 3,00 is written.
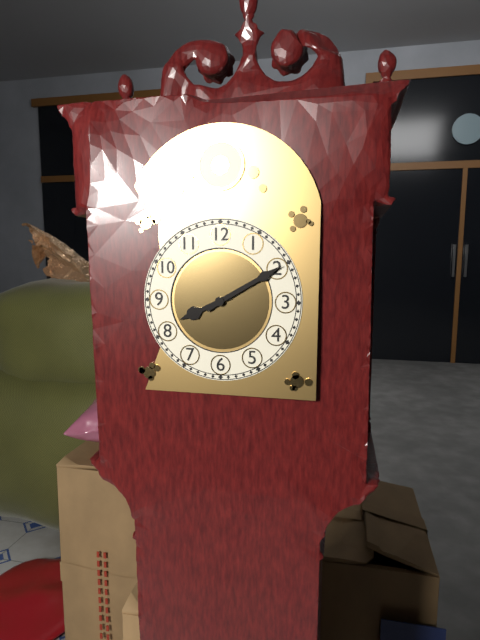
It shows 8,10
